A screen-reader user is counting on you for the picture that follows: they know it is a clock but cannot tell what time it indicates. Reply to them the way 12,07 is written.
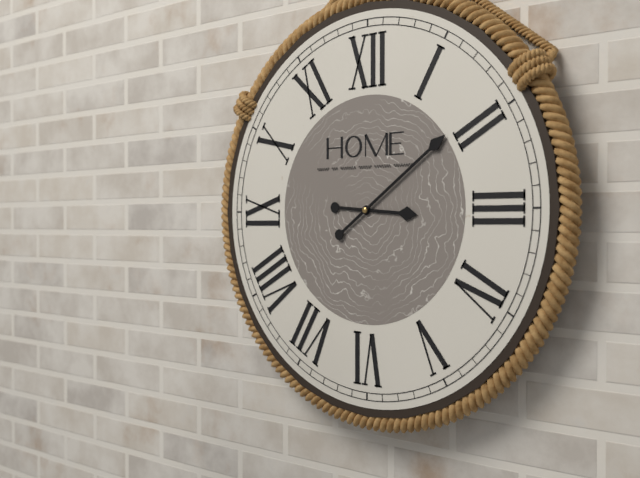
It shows 3,09
